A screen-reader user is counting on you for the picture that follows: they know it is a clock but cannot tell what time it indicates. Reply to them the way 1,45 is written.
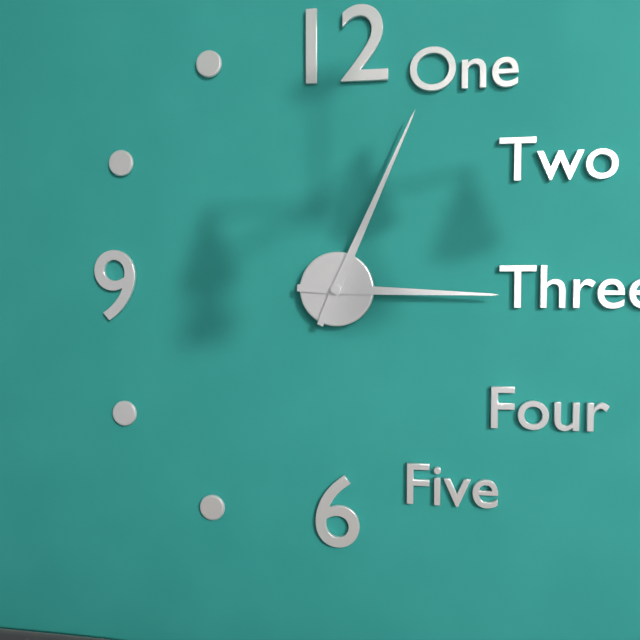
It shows 3,04
